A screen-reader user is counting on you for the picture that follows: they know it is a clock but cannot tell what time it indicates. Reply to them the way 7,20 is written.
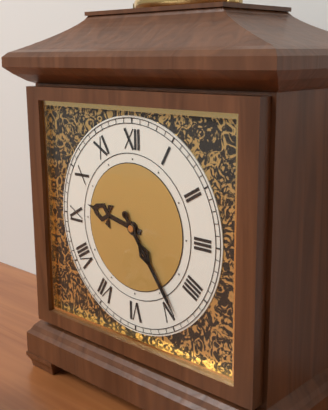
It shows 9,24
